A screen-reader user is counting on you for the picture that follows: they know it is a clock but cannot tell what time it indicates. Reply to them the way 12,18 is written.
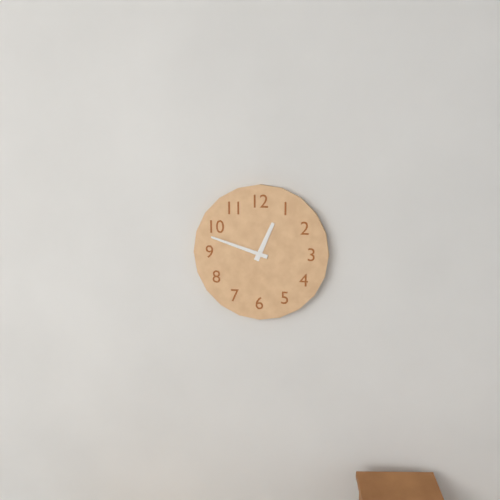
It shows 12,48
